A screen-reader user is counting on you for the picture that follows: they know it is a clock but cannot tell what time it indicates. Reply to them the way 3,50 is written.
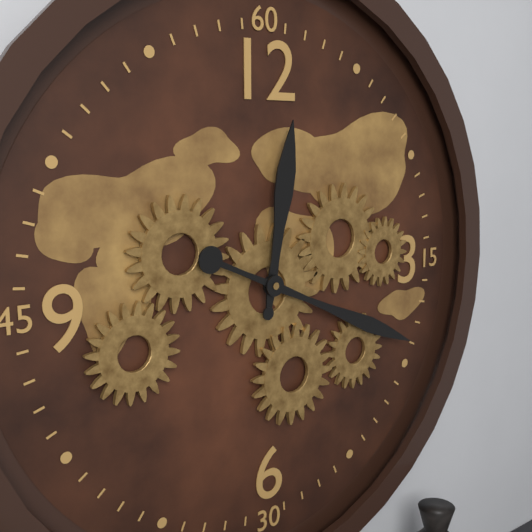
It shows 12,19
